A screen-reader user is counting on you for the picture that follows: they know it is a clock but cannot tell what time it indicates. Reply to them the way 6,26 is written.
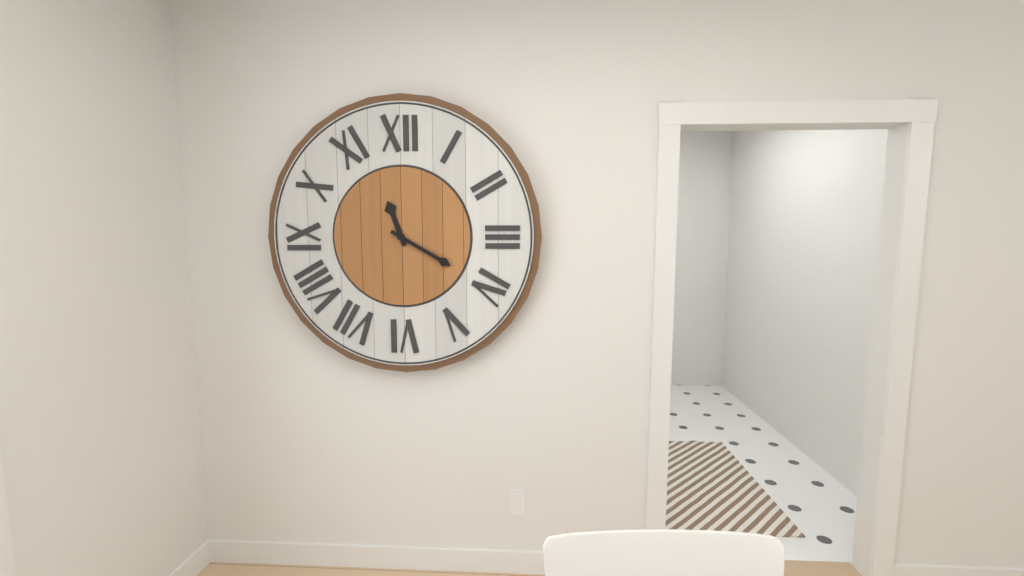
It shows 11,20
